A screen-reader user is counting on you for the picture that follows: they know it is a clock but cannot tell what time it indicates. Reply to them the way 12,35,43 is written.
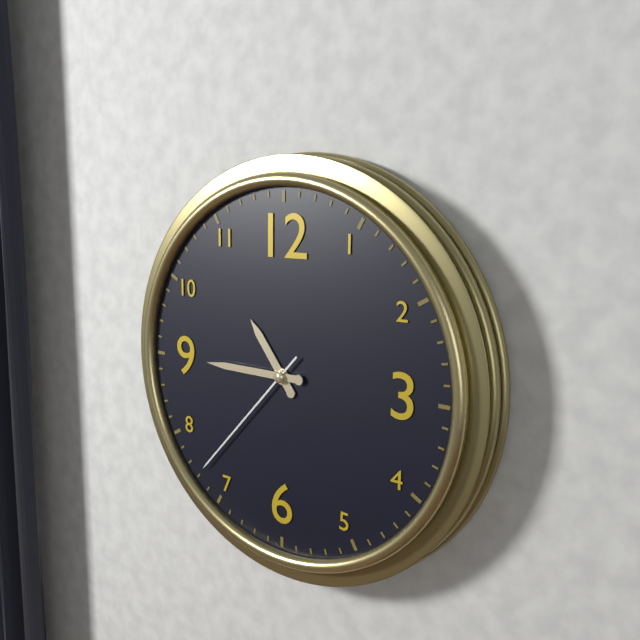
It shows 10,45,37
